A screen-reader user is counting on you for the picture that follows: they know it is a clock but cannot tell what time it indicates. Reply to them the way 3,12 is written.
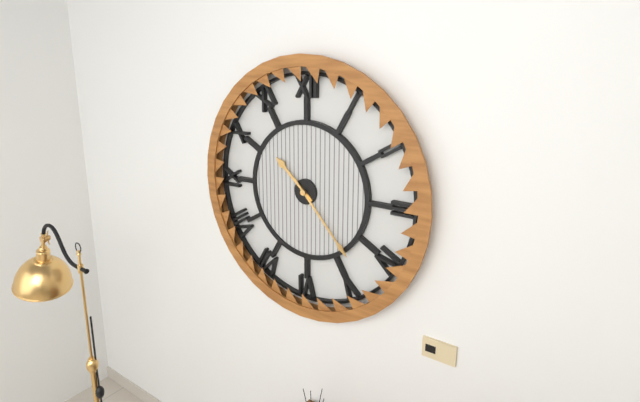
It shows 10,23
